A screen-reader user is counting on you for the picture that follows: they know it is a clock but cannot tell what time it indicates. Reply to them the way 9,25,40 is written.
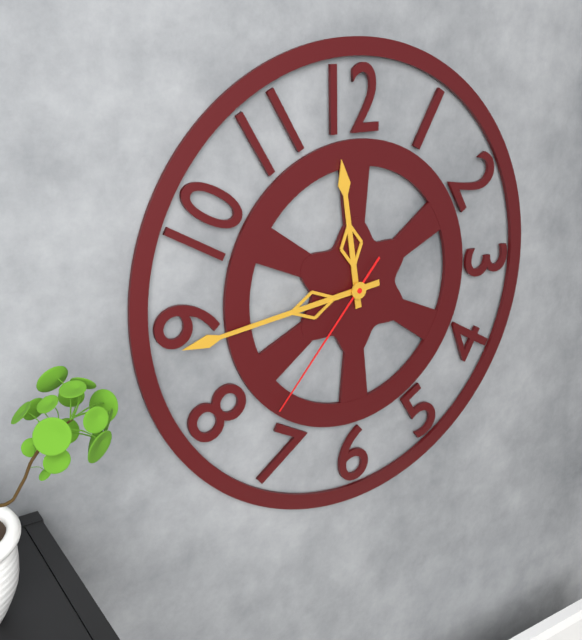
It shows 11,44,37
